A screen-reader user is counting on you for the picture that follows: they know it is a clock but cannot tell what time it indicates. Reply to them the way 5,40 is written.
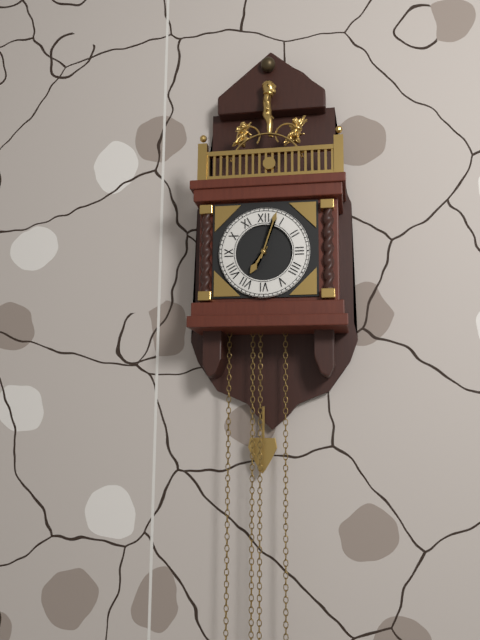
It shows 7,03
